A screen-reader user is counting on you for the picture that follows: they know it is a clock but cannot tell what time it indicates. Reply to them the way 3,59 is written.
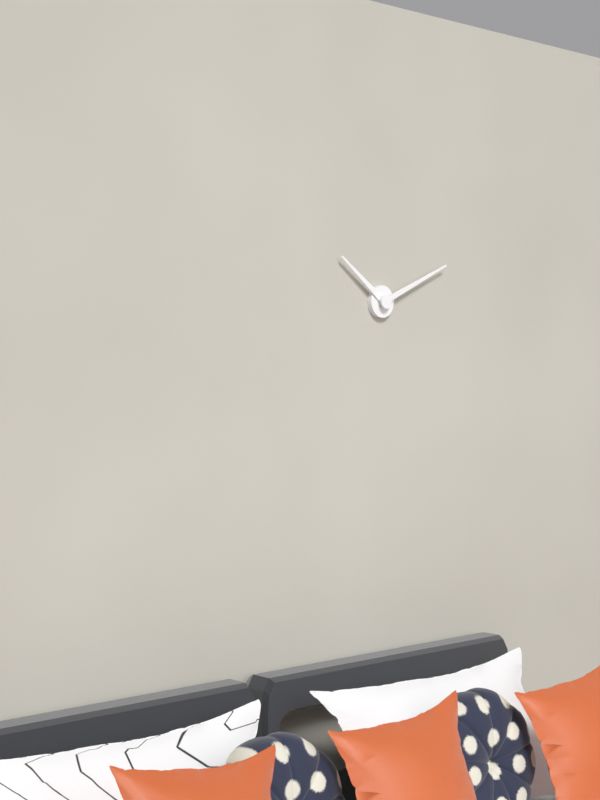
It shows 10,11
